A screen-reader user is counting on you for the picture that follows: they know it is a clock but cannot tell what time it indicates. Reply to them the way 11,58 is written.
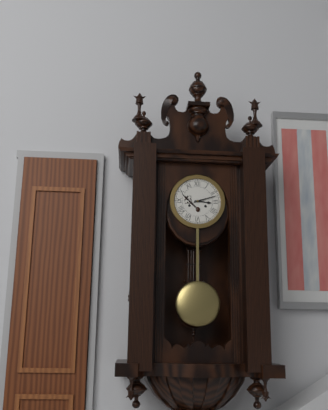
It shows 3,12
